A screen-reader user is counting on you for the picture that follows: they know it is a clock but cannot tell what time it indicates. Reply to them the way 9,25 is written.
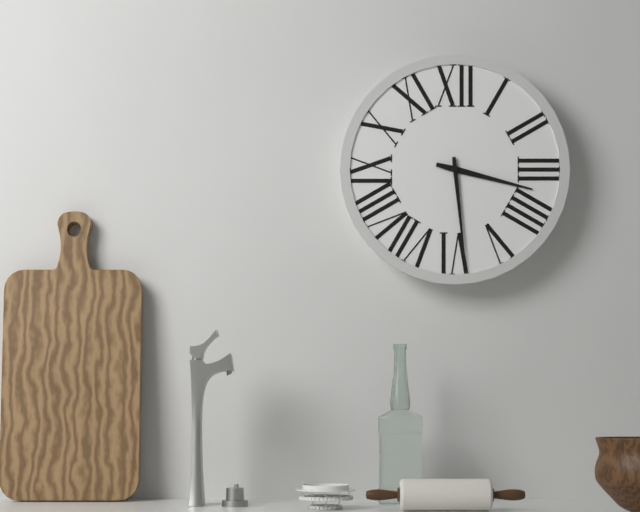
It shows 3,29
